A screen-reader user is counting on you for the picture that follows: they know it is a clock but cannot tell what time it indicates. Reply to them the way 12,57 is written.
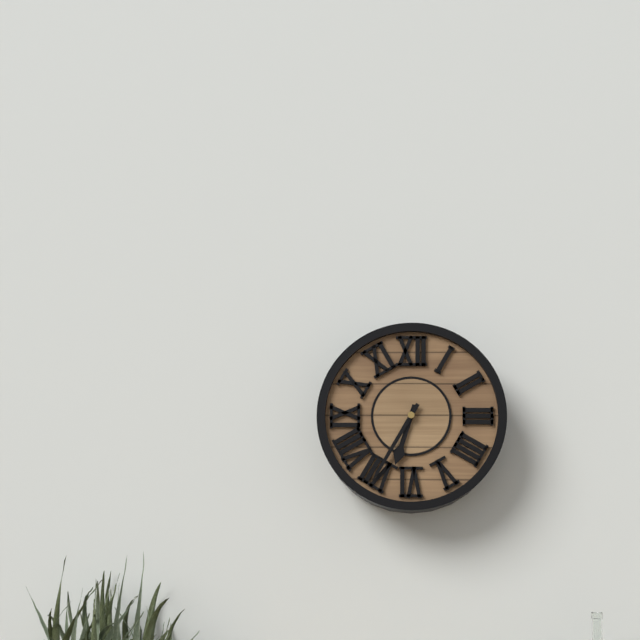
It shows 6,35
